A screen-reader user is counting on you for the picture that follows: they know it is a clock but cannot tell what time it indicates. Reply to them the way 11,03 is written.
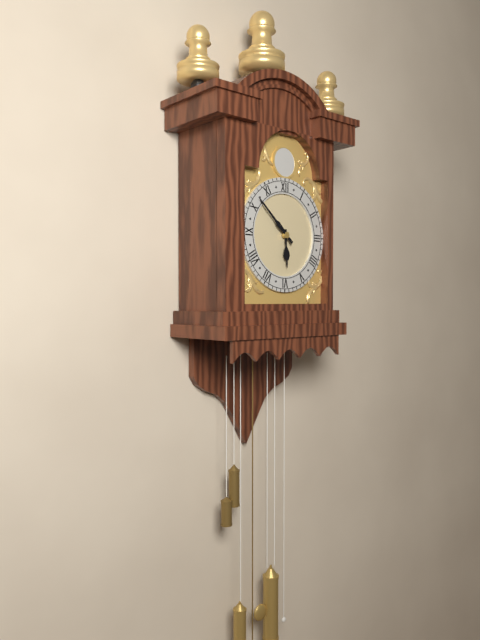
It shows 5,52
